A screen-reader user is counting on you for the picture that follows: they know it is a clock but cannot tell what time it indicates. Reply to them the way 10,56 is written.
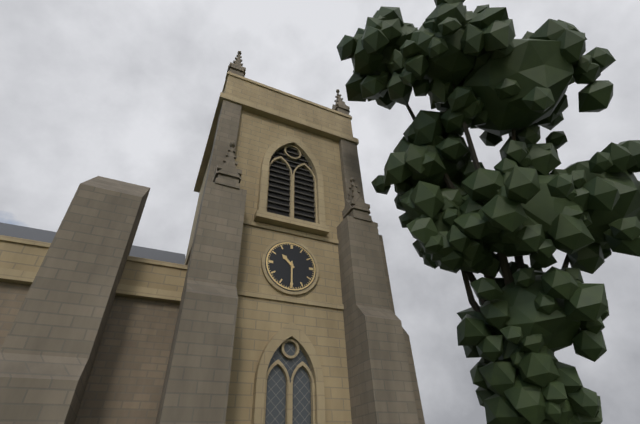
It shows 10,30
